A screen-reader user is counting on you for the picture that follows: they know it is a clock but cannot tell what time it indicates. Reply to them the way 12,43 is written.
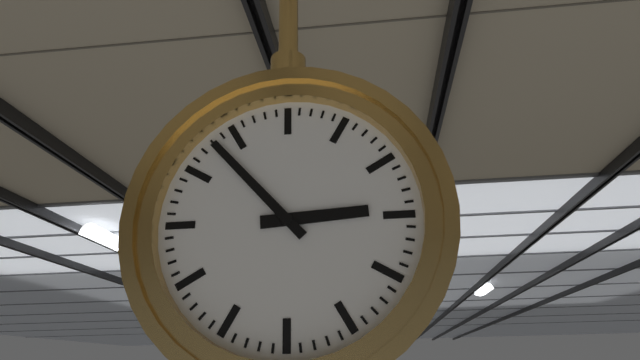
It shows 2,53
